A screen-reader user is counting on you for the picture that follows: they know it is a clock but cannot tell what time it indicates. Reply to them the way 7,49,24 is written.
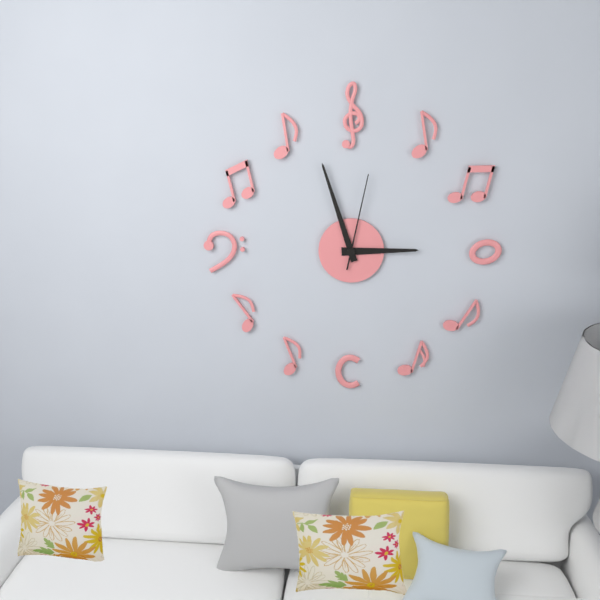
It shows 2,57,02
